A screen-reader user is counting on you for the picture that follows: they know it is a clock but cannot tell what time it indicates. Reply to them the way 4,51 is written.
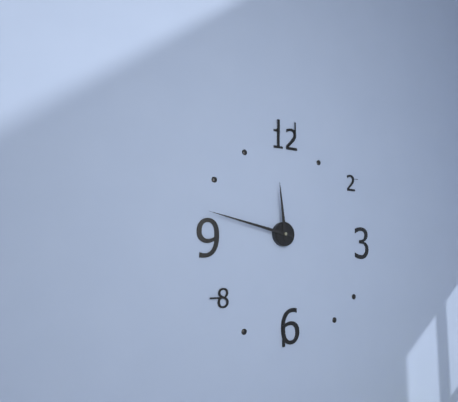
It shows 11,47
